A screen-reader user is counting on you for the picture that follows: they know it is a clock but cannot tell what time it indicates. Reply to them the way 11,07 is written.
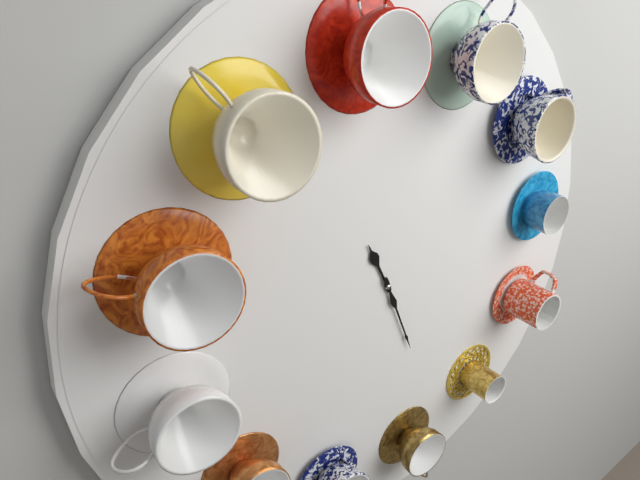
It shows 11,28
